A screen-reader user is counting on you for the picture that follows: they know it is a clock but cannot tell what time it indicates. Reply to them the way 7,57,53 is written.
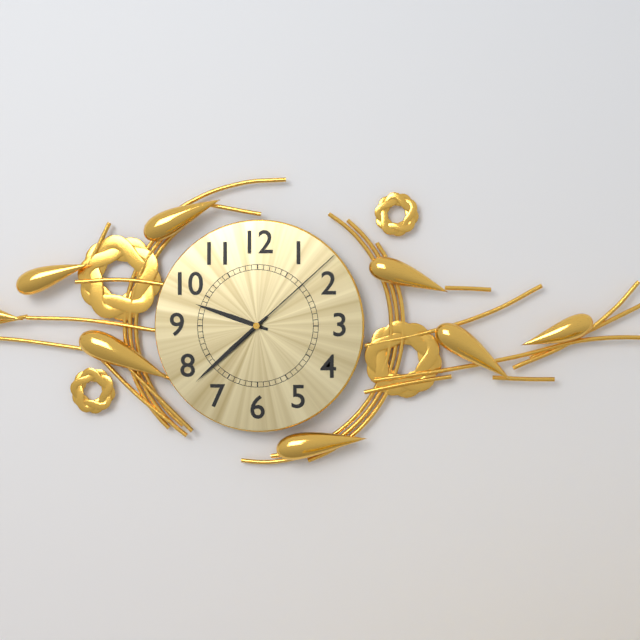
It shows 9,38,08
